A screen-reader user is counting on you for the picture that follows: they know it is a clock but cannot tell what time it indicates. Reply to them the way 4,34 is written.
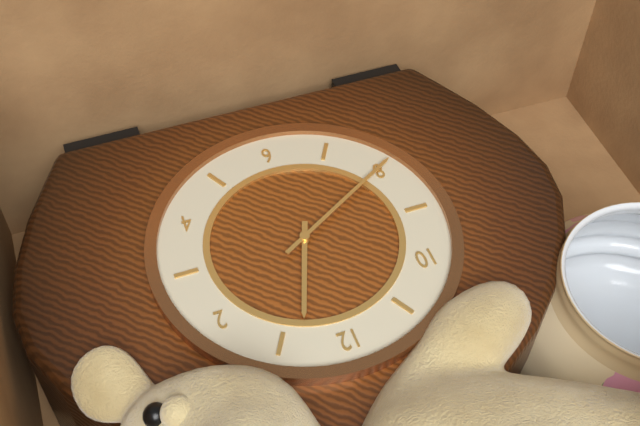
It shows 12,40
